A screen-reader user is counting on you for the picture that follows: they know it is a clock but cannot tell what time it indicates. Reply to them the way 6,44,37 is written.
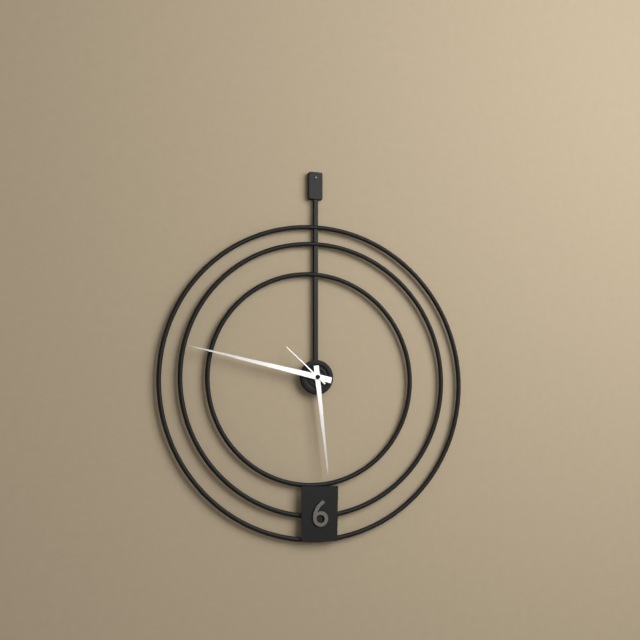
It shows 5,47,52
